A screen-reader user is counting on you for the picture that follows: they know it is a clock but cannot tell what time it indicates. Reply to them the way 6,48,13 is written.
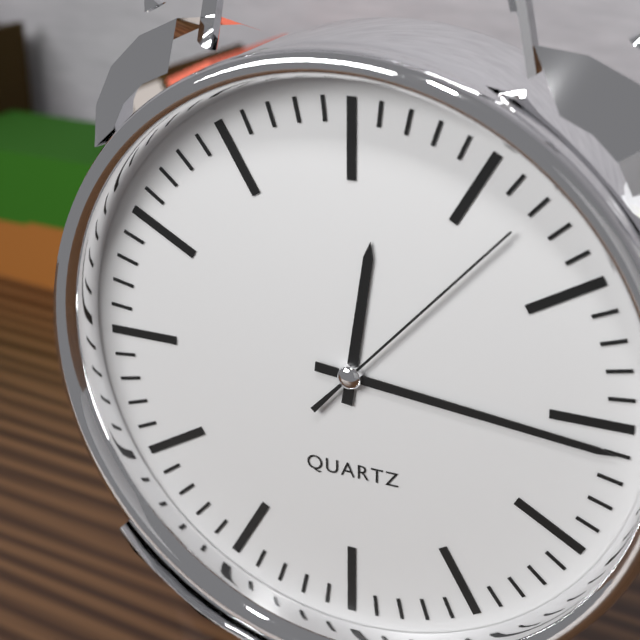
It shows 12,16,07
